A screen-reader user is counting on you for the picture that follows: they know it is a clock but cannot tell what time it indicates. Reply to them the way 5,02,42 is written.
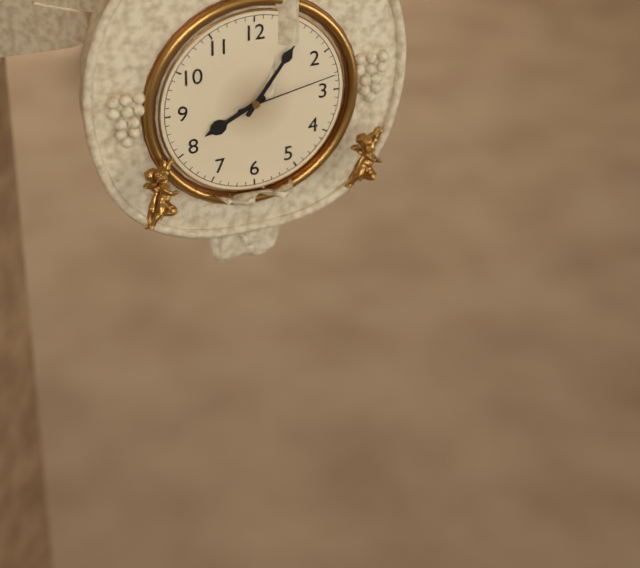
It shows 8,06,13
